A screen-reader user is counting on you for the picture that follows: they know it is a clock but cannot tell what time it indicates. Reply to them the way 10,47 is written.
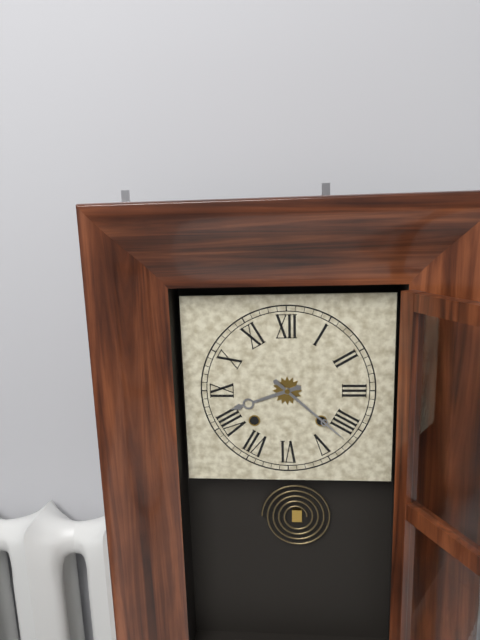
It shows 8,22
